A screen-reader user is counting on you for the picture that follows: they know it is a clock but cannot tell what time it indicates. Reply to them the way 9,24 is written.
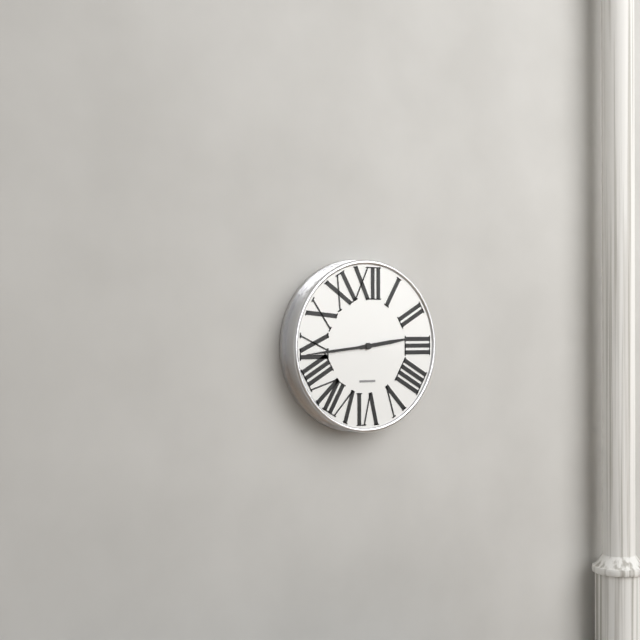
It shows 2,44
